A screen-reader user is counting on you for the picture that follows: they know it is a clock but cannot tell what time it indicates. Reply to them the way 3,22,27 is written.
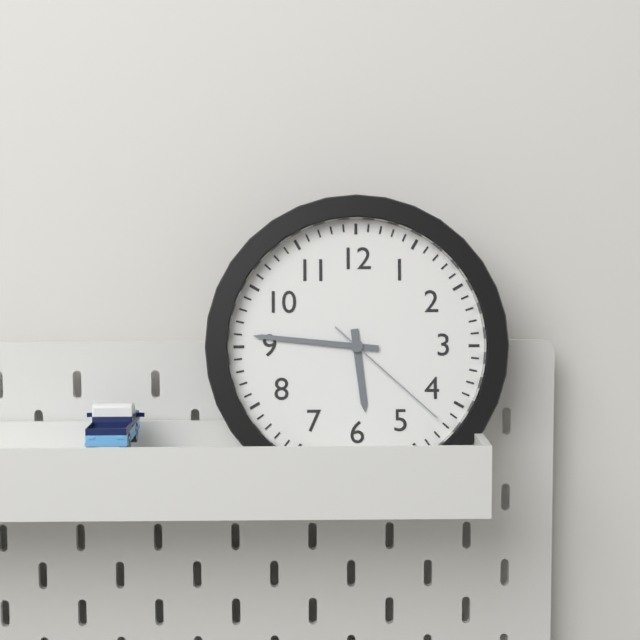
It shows 5,46,22
